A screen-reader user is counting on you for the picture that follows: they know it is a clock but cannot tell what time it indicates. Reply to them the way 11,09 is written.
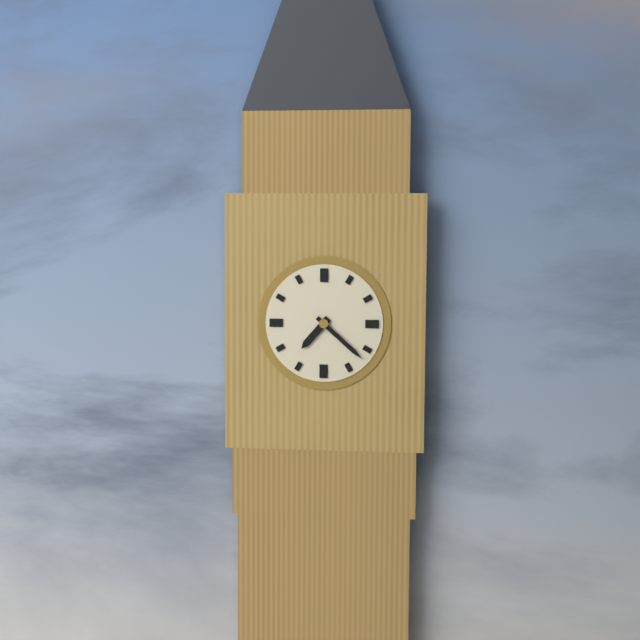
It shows 7,22
